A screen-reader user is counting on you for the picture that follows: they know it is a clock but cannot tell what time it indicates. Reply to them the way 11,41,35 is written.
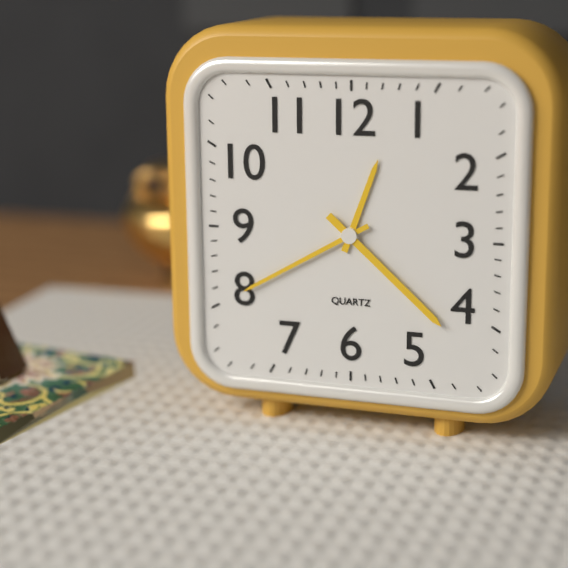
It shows 12,40,22
